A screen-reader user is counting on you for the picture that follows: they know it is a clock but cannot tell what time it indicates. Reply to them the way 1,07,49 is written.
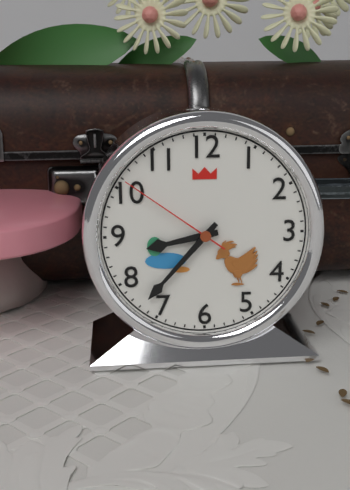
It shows 8,37,51
